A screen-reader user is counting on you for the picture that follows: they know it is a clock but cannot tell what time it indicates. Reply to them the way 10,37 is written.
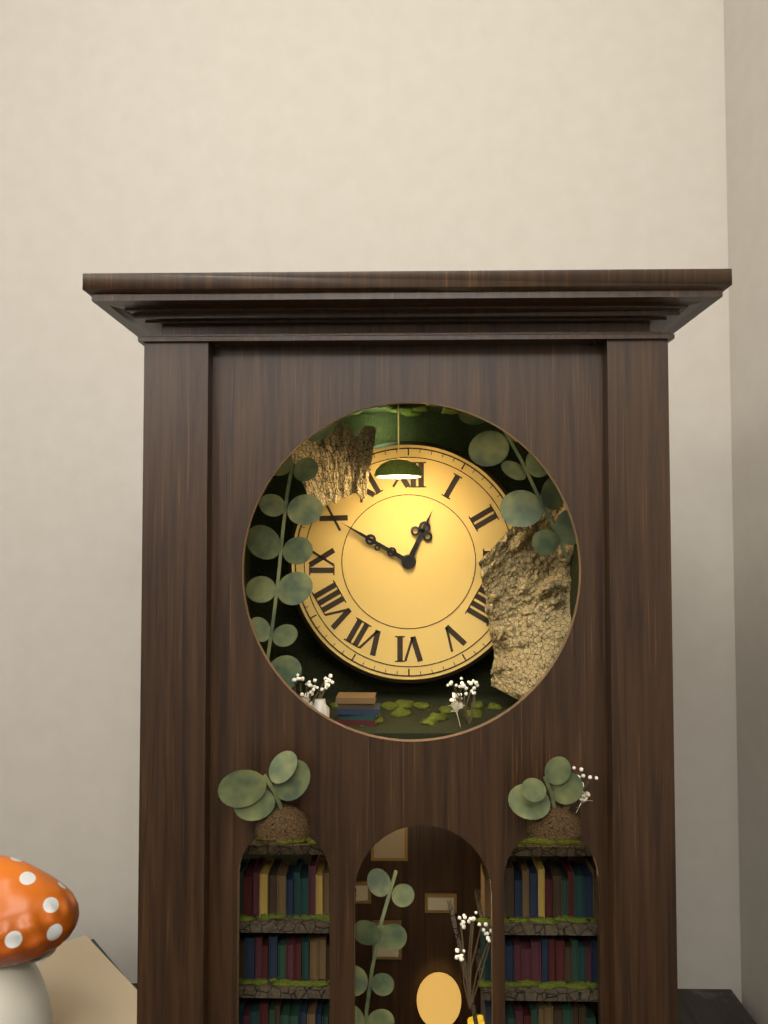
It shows 12,50
